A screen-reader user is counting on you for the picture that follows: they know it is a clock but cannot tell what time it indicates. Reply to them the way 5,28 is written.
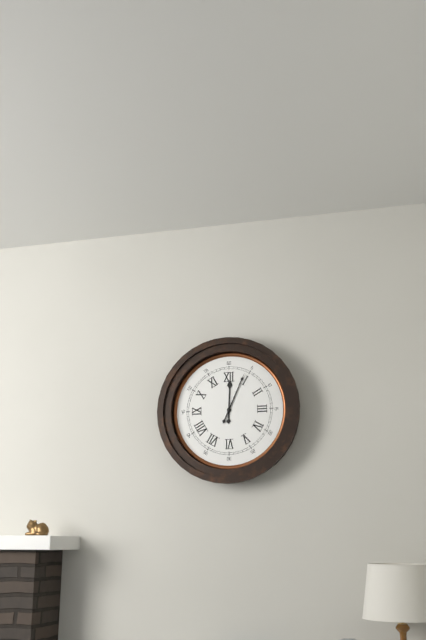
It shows 12,04
